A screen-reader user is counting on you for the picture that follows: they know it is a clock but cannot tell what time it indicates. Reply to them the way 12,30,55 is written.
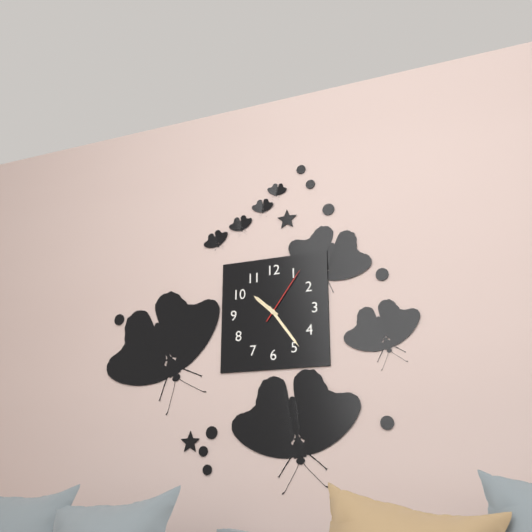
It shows 10,24,06
